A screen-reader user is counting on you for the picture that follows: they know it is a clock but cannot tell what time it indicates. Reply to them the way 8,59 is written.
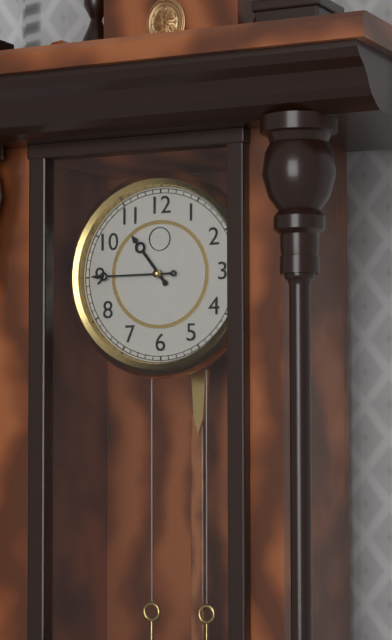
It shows 10,45
